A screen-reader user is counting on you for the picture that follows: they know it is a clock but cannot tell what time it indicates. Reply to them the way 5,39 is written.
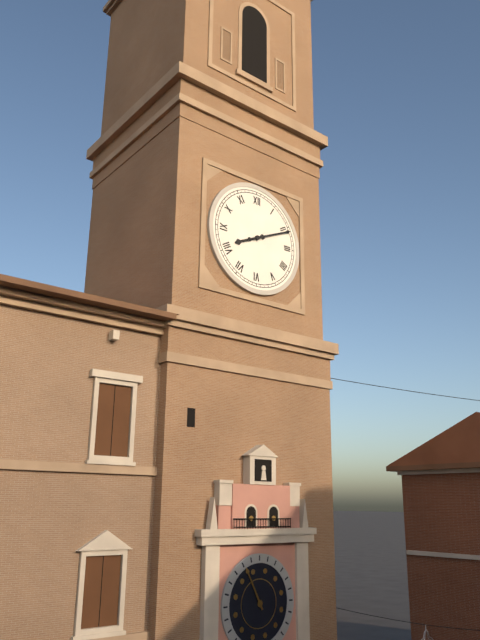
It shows 8,11
